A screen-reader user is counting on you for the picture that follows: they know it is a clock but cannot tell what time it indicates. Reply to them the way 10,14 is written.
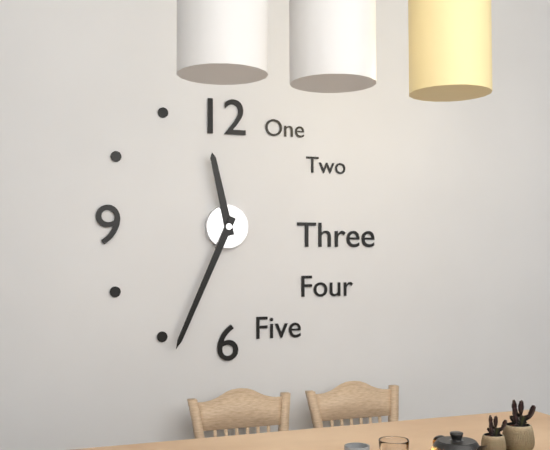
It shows 11,34
